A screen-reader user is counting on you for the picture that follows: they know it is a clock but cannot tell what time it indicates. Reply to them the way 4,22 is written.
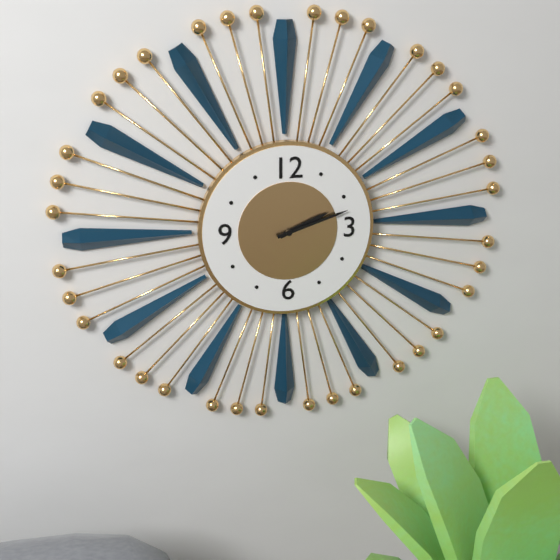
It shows 2,12
